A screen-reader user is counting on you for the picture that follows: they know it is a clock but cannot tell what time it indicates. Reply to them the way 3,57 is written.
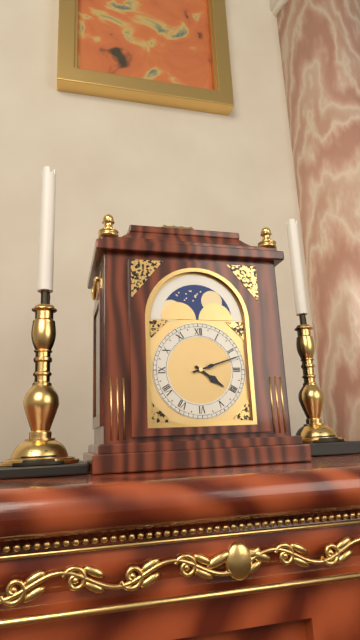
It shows 4,12
